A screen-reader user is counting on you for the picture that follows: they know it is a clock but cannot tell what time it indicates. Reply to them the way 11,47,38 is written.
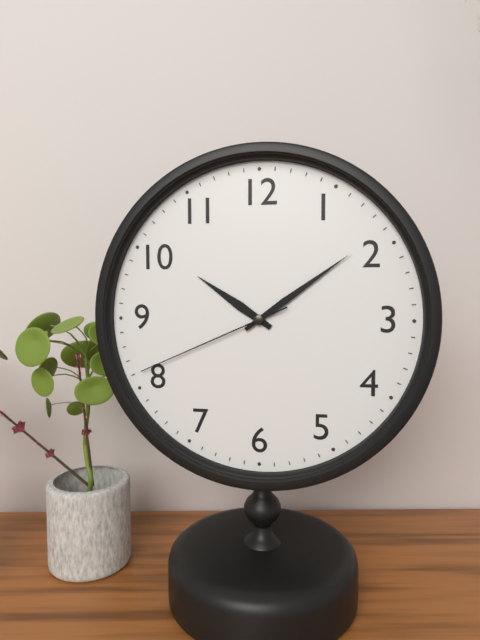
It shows 10,09,41
